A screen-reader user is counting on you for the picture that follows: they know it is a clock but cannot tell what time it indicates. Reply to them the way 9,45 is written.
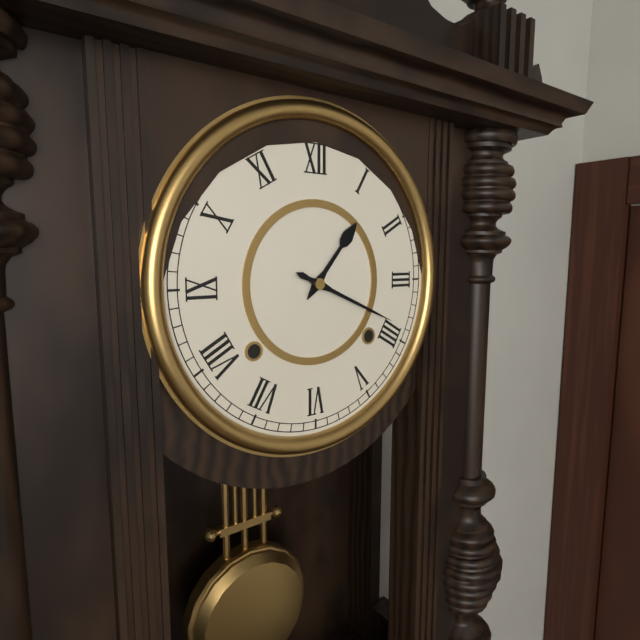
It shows 1,19
